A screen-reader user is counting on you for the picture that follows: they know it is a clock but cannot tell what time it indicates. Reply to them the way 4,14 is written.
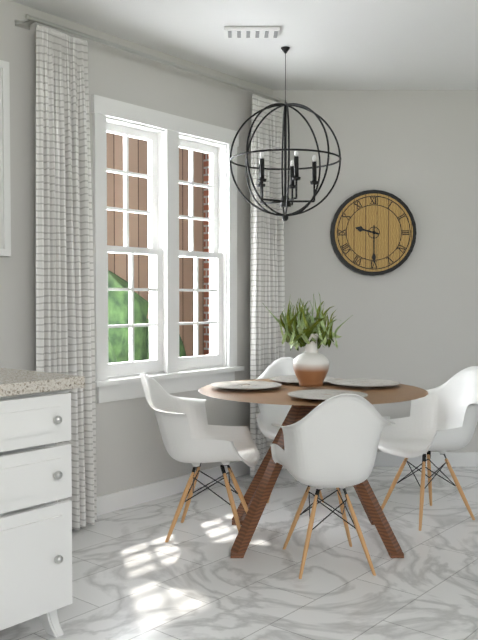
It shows 9,30
